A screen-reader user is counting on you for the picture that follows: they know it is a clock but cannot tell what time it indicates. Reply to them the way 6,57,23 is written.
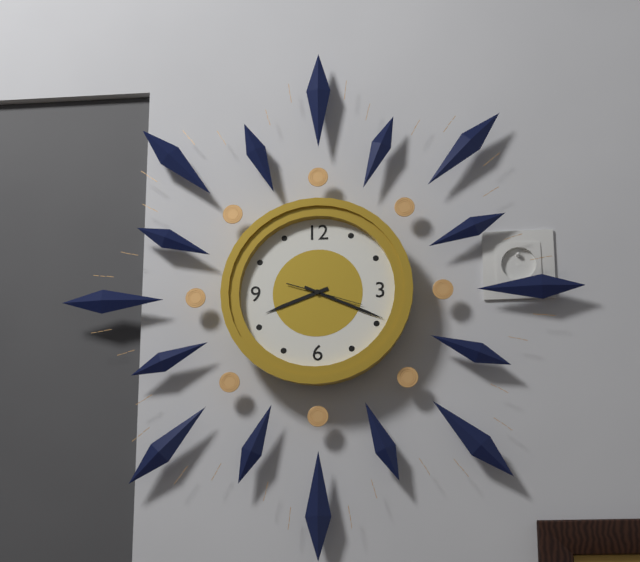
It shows 8,19,18
